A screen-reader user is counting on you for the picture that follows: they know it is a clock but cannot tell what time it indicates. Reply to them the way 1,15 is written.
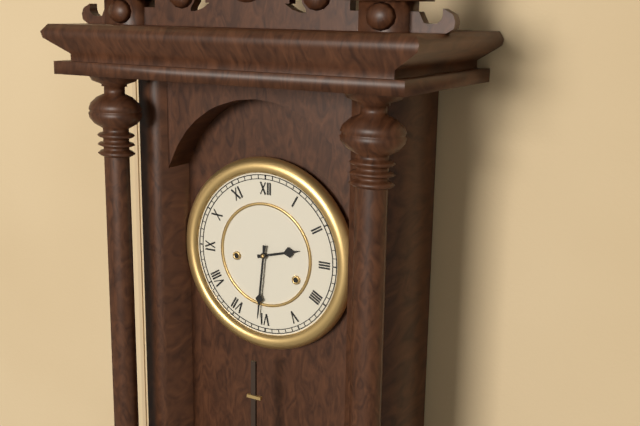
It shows 2,31
